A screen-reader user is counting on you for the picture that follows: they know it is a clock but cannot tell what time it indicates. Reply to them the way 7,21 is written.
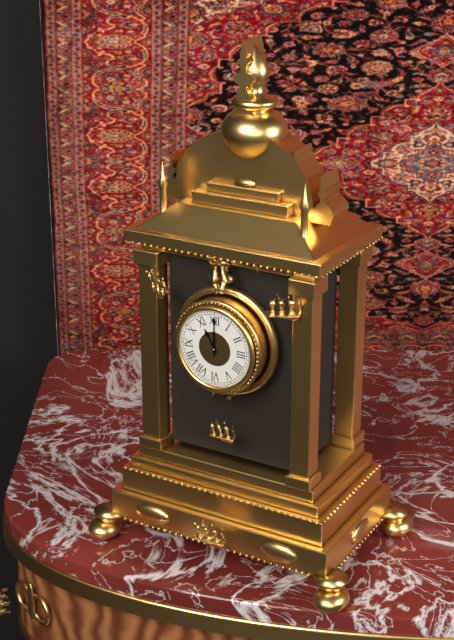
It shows 11,00
